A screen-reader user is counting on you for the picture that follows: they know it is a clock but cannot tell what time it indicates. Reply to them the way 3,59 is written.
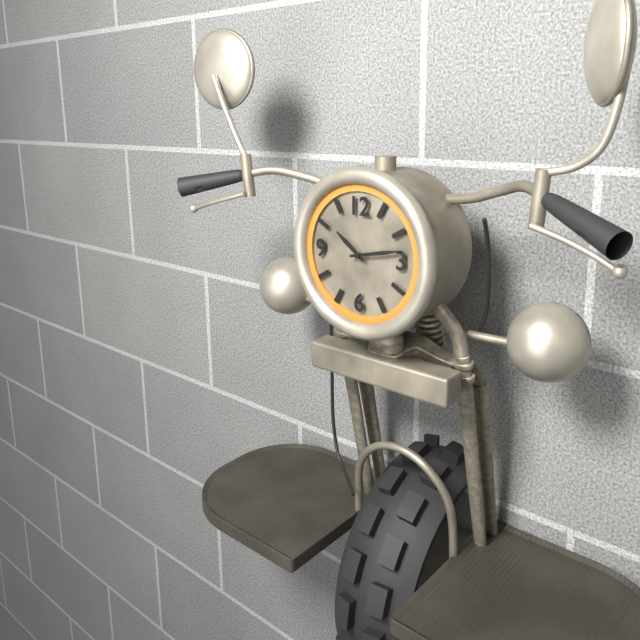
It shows 10,13
